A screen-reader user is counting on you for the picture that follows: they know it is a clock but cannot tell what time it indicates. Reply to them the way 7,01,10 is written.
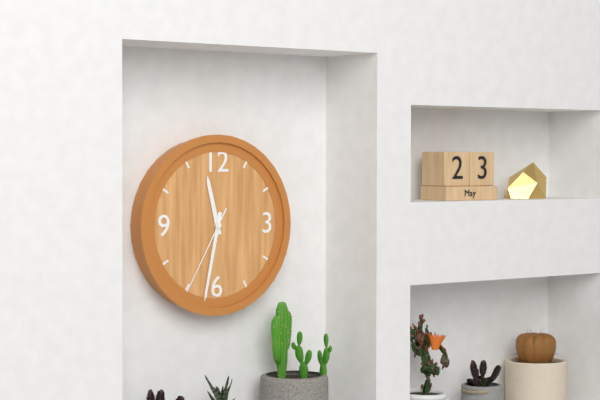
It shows 11,32,35
